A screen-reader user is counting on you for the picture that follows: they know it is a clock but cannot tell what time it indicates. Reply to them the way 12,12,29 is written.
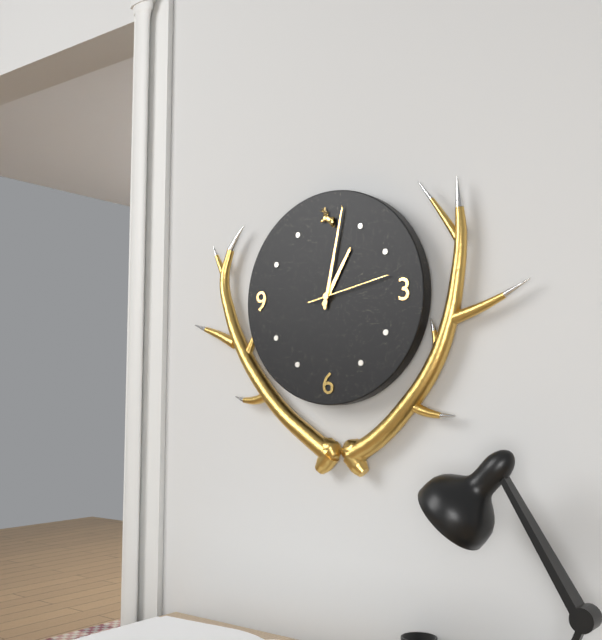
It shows 1,02,13
